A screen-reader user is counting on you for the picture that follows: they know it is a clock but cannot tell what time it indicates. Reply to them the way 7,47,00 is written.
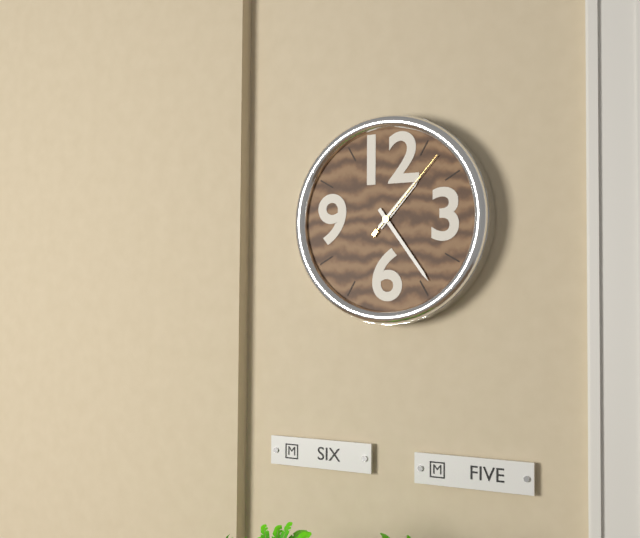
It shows 1,24,07
